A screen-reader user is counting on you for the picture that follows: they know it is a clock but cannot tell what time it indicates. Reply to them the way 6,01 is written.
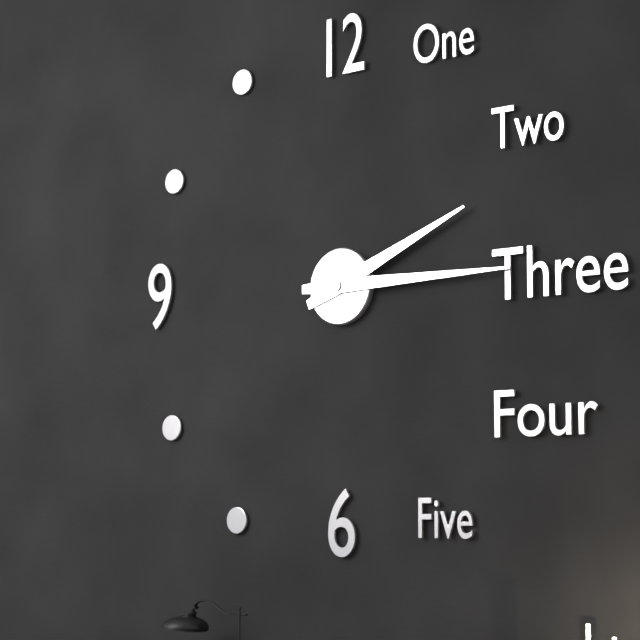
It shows 2,15
